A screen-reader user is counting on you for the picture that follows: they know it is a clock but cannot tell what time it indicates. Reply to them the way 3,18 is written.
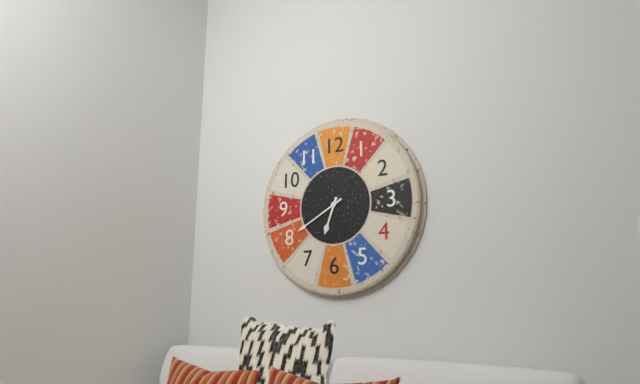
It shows 6,40
